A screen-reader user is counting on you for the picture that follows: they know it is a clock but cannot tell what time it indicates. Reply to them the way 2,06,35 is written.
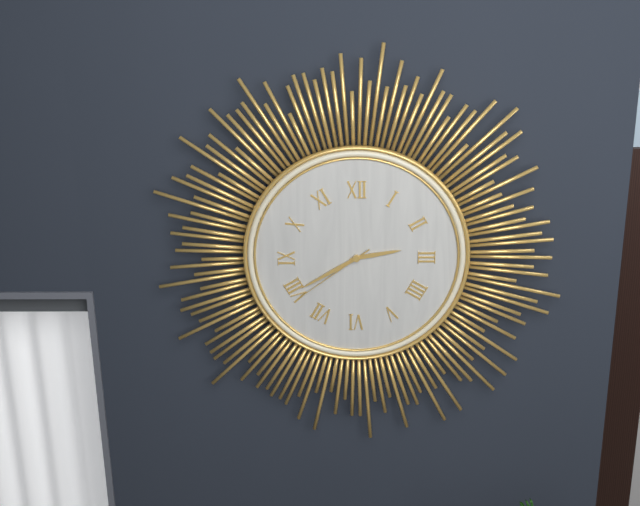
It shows 2,40,39
